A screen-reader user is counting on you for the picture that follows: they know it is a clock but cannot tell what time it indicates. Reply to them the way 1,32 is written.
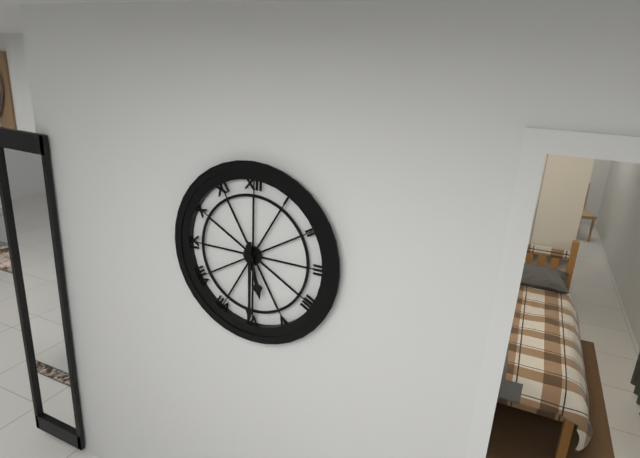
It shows 5,30
